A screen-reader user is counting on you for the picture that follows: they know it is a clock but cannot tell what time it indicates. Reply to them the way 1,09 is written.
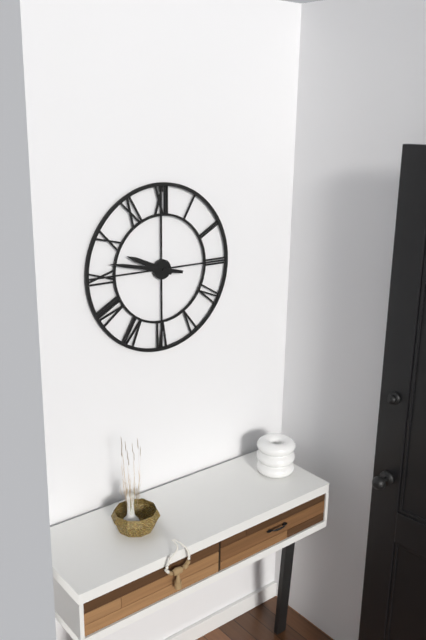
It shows 9,47
